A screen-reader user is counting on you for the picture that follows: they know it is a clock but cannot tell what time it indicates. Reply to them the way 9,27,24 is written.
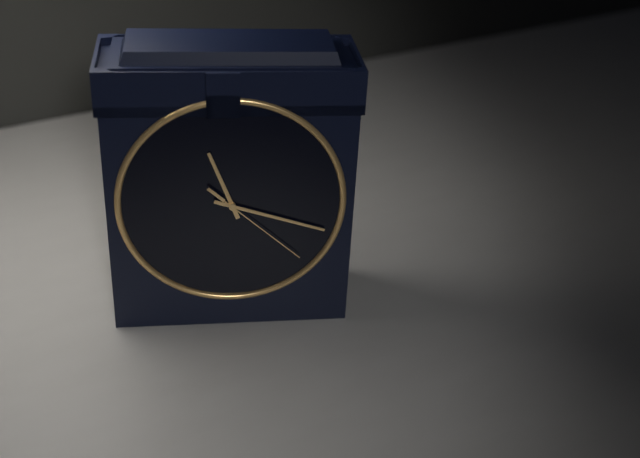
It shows 11,18,22
